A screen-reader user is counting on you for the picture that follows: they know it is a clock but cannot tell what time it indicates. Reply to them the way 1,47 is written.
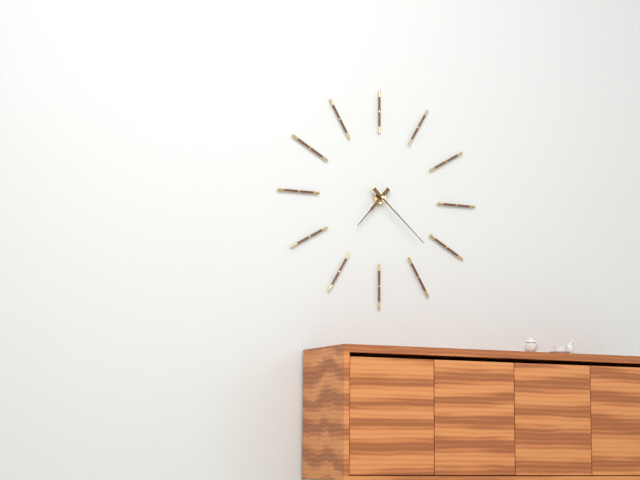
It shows 7,22
